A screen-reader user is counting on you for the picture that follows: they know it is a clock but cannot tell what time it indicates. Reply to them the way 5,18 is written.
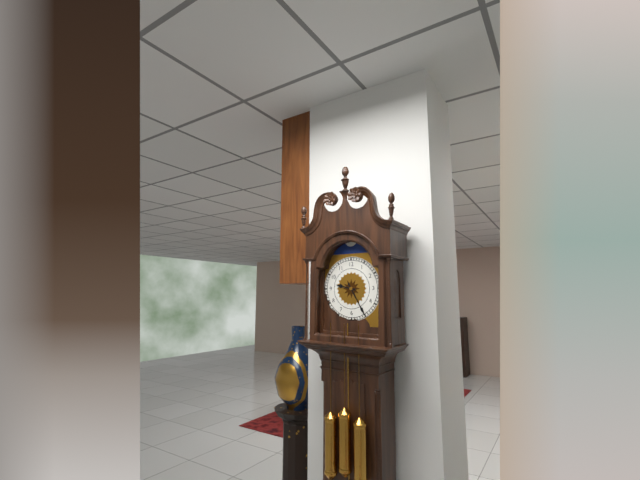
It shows 9,25
